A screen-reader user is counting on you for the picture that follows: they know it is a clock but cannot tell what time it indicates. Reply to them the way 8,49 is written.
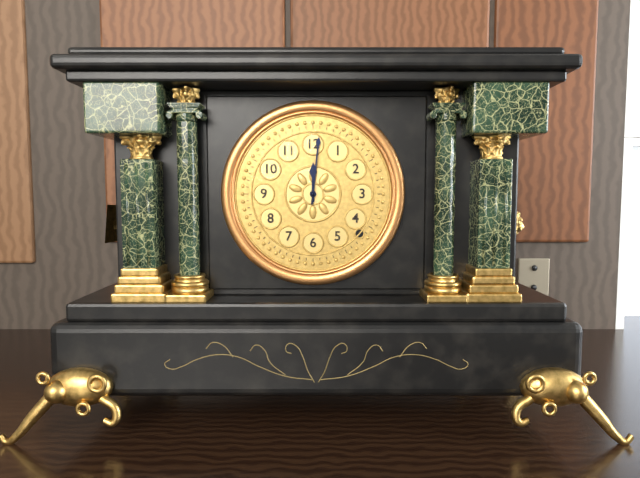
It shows 12,01
